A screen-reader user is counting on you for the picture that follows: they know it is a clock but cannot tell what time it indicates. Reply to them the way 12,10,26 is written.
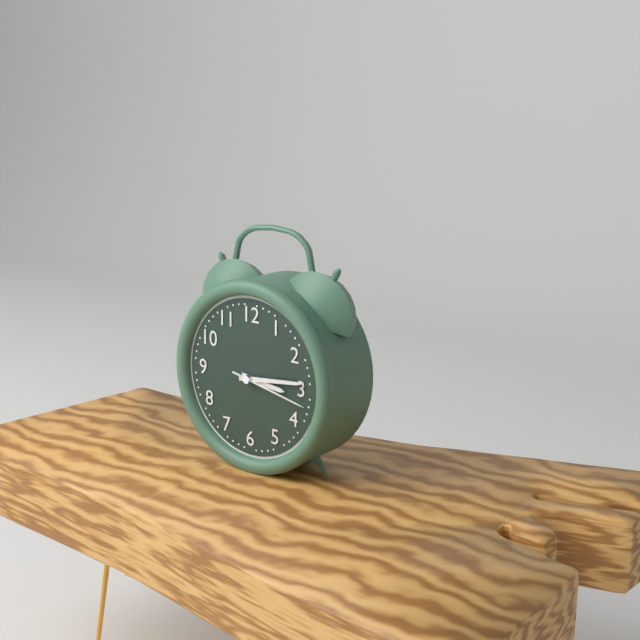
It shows 3,14,17
